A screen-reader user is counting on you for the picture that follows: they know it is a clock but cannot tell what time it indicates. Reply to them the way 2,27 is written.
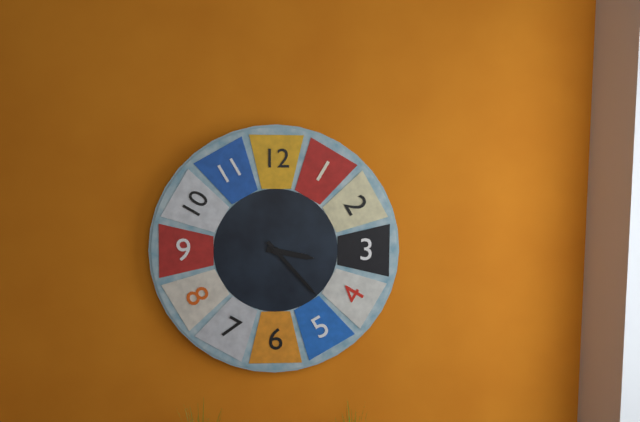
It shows 3,23
